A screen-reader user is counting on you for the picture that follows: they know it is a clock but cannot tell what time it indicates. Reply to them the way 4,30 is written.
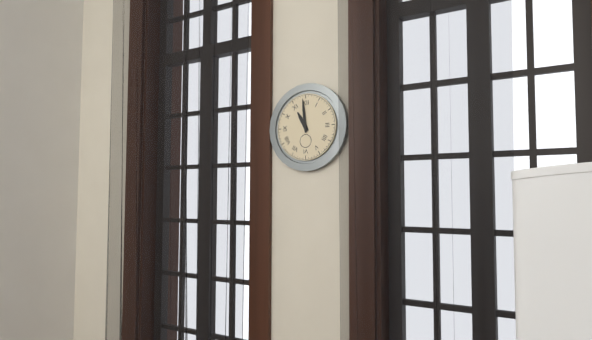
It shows 10,59
